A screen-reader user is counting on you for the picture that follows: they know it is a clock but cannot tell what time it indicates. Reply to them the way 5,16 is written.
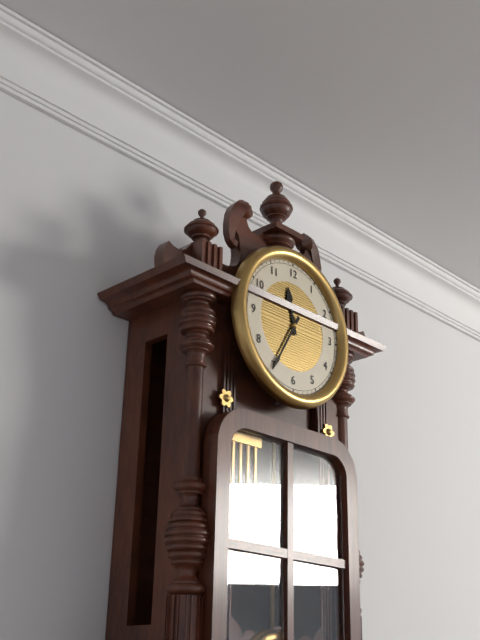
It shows 11,35
